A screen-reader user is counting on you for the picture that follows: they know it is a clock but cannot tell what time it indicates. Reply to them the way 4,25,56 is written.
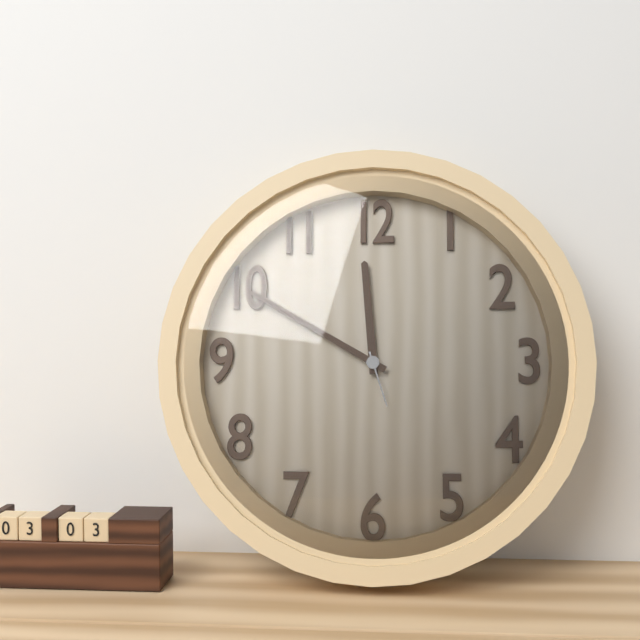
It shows 11,50,27
